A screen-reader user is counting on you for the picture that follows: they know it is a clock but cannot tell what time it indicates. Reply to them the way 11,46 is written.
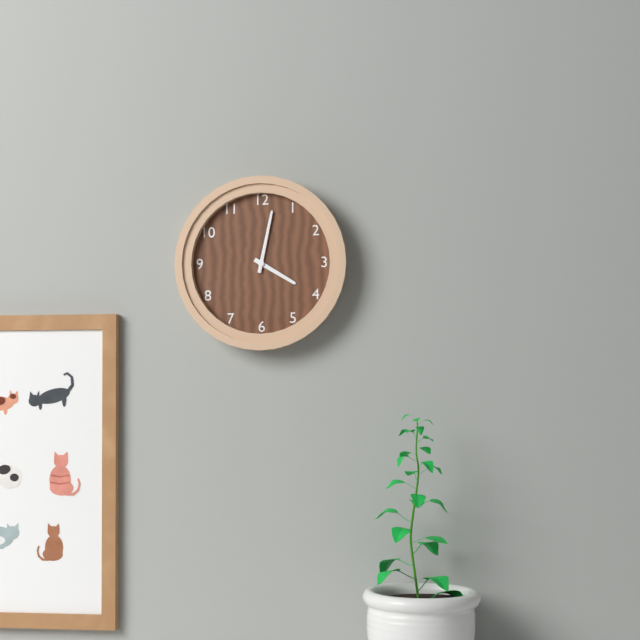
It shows 4,02
